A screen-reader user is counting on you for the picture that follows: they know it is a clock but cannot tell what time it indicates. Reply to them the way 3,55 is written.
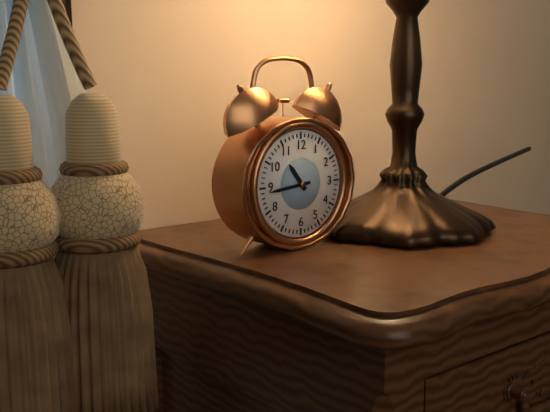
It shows 10,44
